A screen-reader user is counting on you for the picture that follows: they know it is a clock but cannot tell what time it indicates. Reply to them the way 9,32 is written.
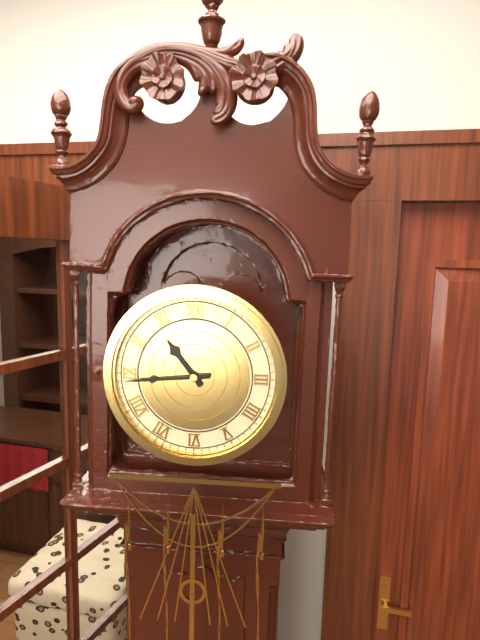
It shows 10,44
